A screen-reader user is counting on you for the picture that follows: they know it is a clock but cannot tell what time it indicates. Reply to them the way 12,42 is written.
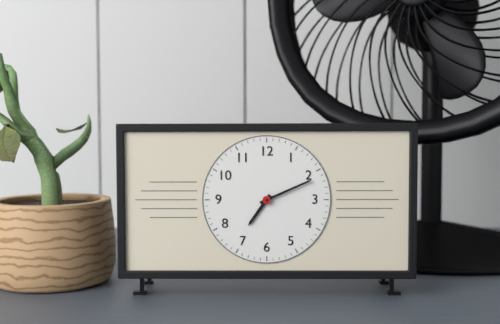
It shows 7,11
